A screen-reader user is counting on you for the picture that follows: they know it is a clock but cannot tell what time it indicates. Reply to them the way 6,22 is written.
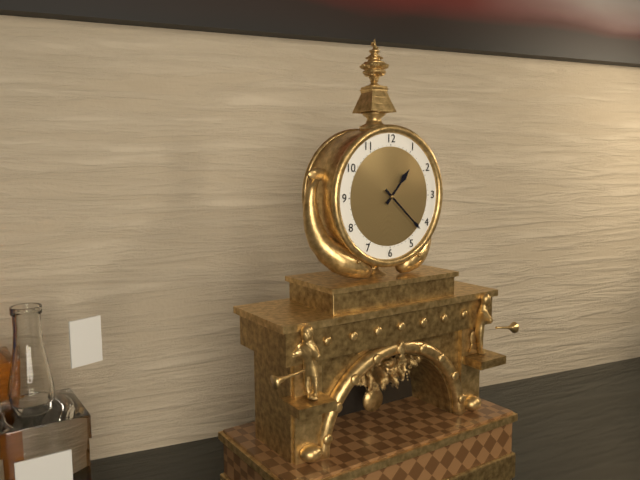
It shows 1,22
